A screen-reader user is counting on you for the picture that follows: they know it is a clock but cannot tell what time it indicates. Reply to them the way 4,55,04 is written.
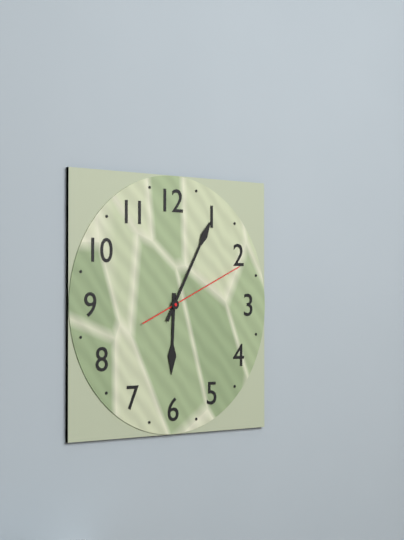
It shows 6,05,11
